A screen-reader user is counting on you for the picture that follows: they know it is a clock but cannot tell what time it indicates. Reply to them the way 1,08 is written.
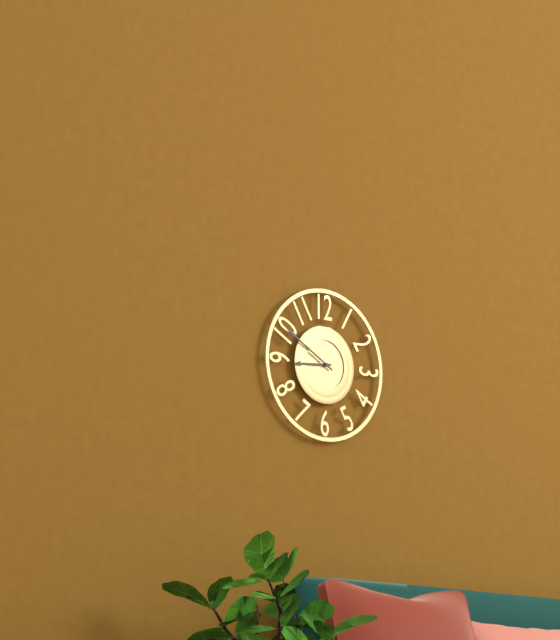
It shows 8,50
